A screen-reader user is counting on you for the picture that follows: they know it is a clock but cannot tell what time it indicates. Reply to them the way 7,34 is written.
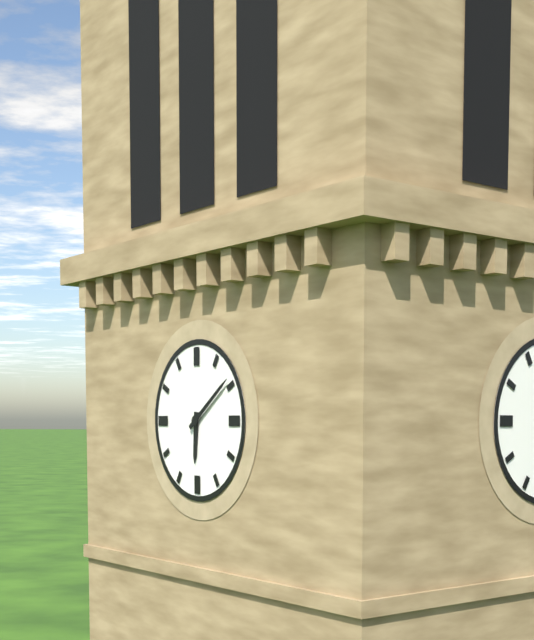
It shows 6,09
